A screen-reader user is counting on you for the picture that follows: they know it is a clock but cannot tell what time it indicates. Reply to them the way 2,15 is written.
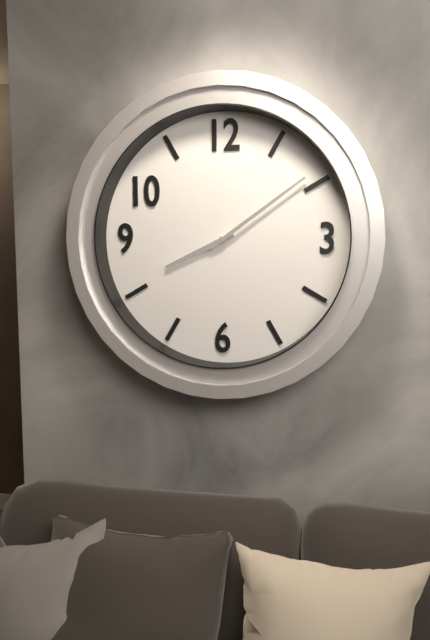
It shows 8,09
